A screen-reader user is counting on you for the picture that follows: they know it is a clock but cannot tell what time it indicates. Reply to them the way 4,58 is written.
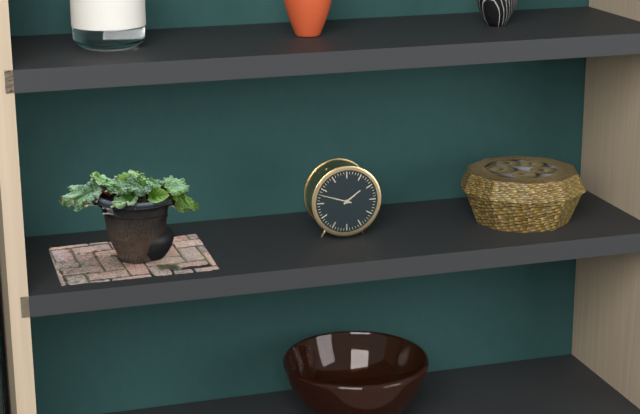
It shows 1,48
